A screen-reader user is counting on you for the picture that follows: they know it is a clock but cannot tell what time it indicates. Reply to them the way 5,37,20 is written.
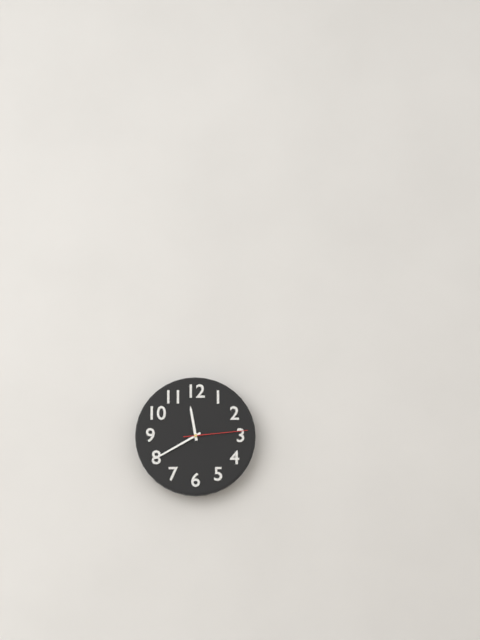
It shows 11,40,14
